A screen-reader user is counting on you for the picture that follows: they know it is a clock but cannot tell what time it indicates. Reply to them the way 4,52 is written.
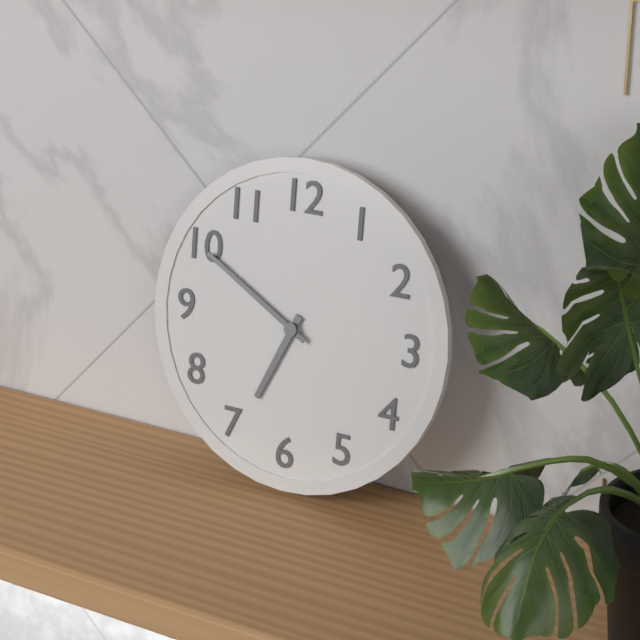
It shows 6,50
